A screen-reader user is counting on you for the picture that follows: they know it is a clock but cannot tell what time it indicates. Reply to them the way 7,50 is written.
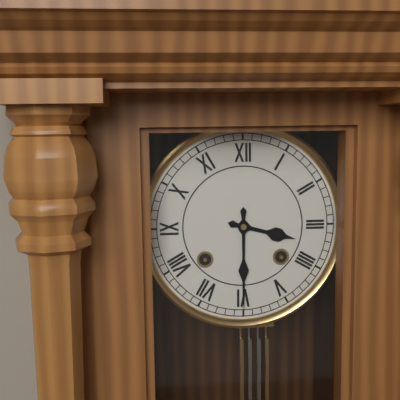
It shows 3,30
